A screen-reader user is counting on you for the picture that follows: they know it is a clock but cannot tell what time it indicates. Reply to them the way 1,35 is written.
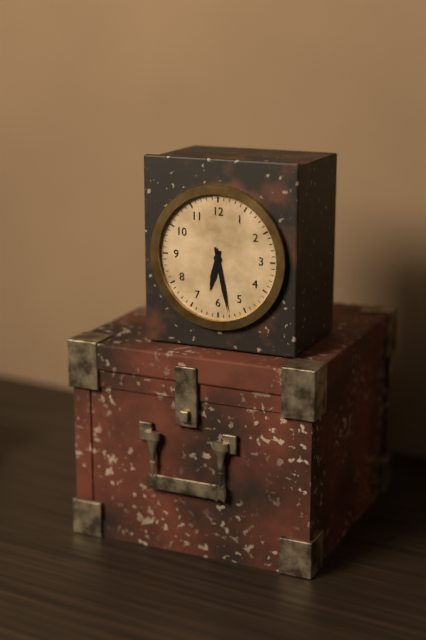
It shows 6,28
